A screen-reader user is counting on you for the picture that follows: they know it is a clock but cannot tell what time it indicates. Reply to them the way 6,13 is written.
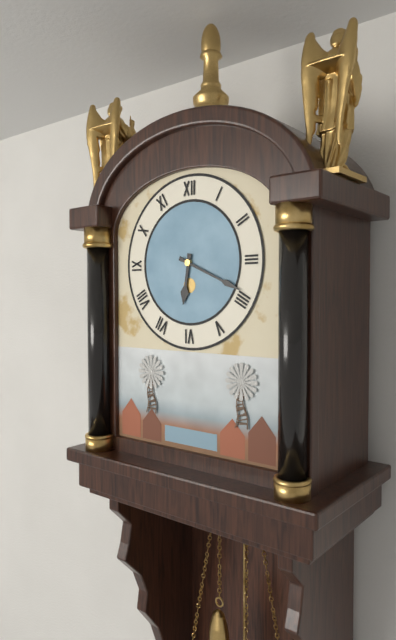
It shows 6,19
